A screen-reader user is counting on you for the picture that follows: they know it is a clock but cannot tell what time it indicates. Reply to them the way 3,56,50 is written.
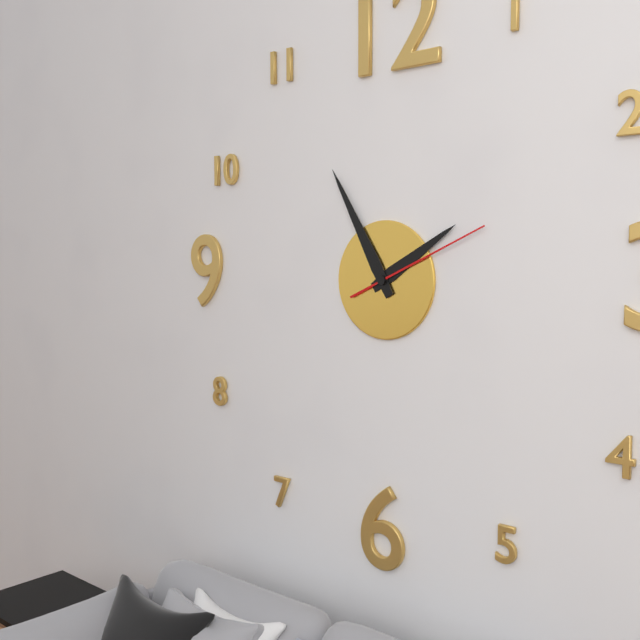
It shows 1,55,11
